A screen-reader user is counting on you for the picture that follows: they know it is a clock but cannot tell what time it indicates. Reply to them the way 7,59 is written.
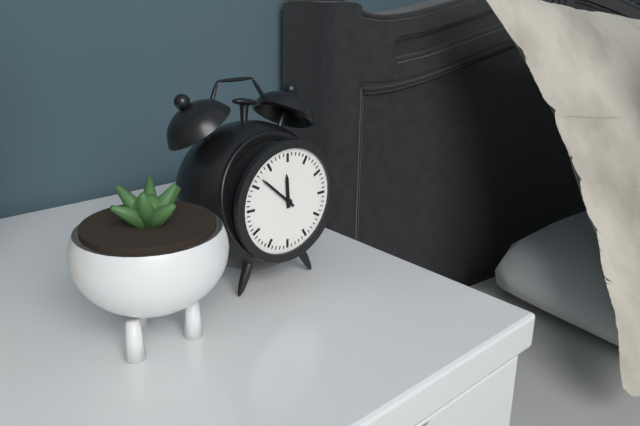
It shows 11,52
